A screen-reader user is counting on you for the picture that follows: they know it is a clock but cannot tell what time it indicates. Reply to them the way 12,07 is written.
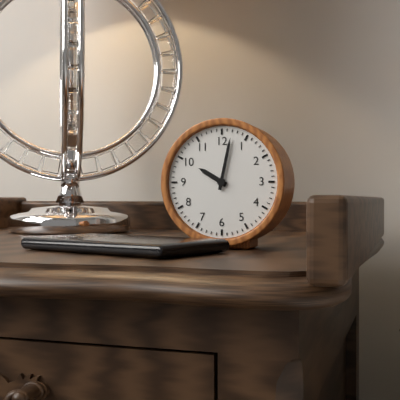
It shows 10,02
